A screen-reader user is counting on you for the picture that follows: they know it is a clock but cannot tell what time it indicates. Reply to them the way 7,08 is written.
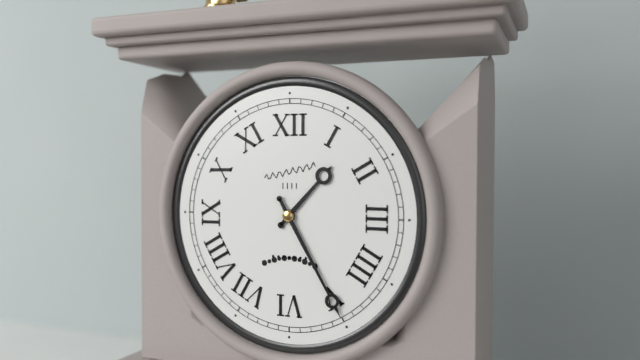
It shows 1,25
